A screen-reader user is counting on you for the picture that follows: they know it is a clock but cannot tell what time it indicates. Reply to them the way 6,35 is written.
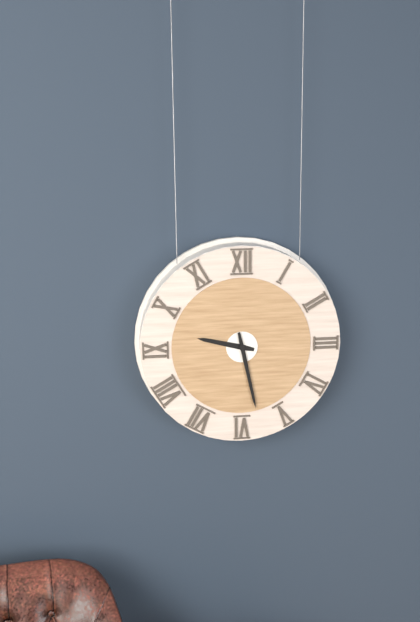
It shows 9,28
